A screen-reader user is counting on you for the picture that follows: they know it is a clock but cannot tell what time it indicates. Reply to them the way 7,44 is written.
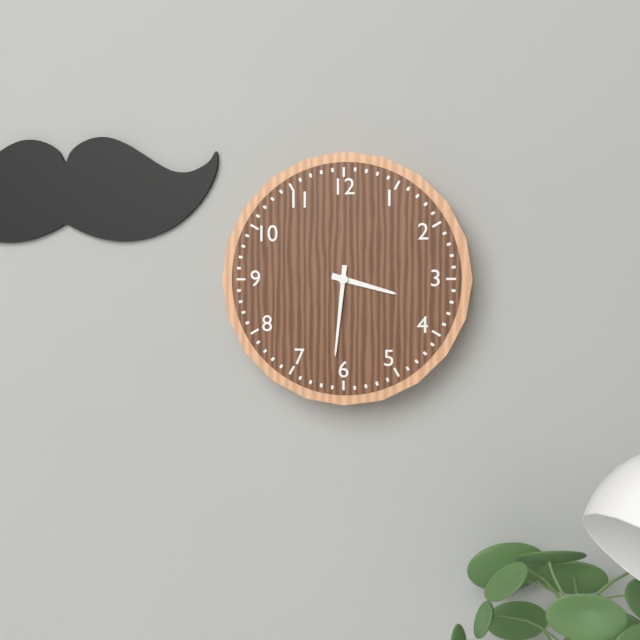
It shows 3,31
